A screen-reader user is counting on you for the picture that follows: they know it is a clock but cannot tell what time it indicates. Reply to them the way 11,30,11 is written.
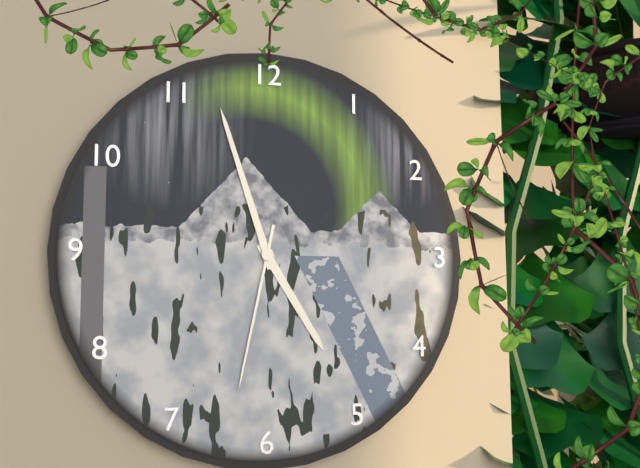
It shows 4,57,32
